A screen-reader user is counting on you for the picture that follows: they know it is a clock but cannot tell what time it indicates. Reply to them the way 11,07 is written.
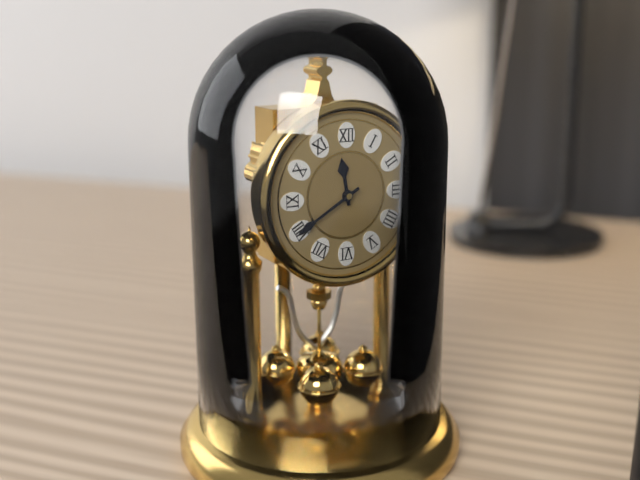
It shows 11,40
